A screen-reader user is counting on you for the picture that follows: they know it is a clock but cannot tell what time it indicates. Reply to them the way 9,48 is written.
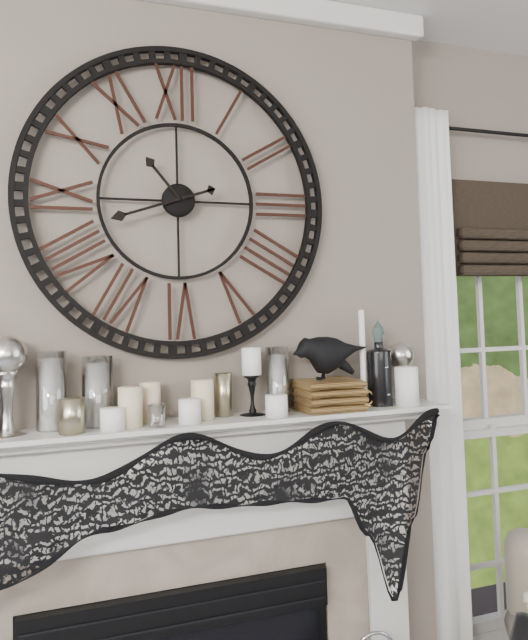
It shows 10,42
